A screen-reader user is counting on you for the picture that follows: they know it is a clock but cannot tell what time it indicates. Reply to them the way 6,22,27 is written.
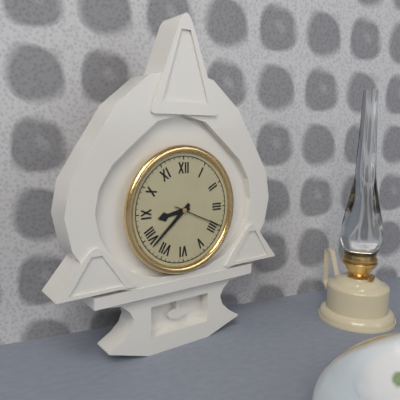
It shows 8,38,19
